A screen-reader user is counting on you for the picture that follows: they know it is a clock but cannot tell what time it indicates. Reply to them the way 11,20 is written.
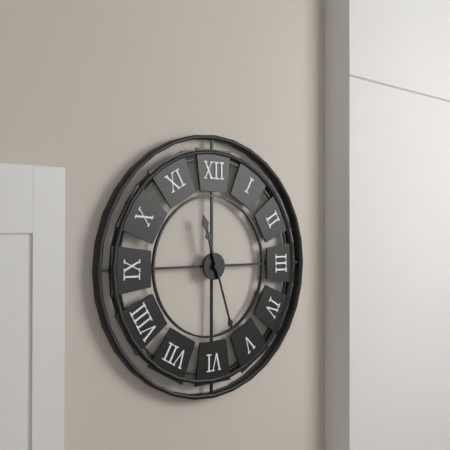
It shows 11,27
